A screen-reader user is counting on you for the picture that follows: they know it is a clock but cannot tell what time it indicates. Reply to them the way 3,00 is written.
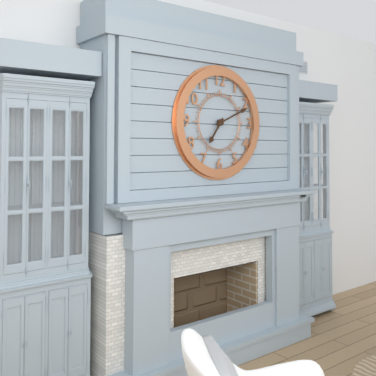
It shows 7,11
